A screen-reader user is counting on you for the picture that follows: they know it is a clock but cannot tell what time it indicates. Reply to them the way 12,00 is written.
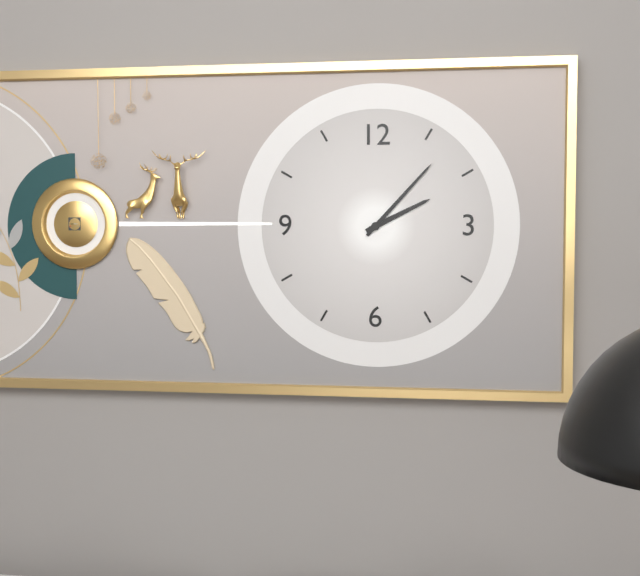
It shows 2,07
